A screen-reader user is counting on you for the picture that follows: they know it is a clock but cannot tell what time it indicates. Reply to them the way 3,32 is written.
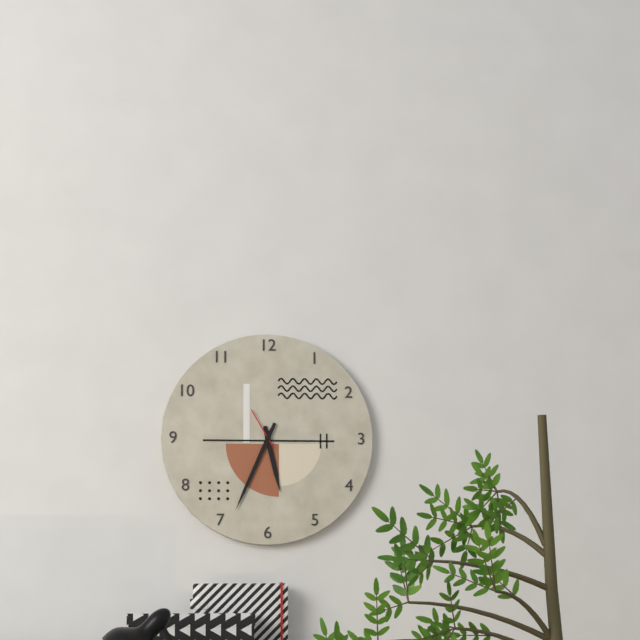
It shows 5,34
